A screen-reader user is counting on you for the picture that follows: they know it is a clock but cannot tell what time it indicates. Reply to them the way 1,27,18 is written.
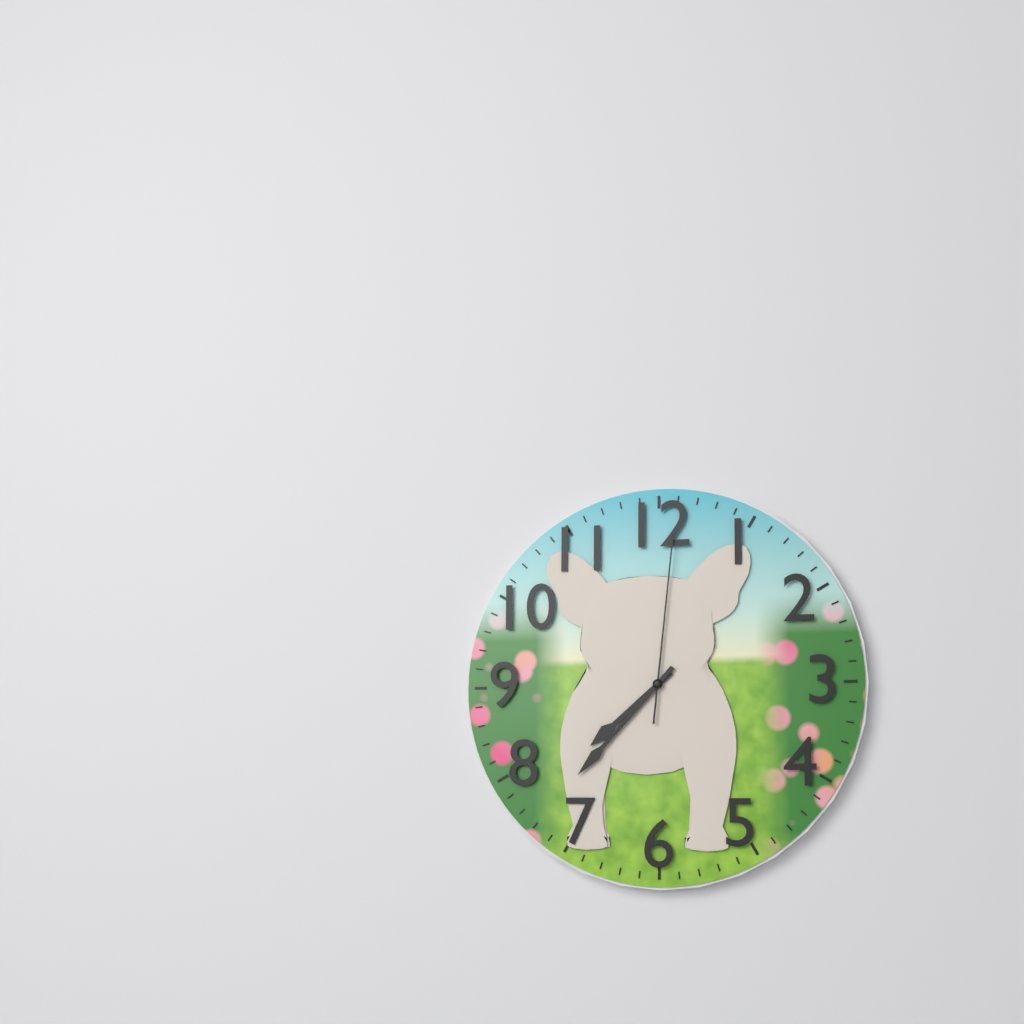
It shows 7,37,01
